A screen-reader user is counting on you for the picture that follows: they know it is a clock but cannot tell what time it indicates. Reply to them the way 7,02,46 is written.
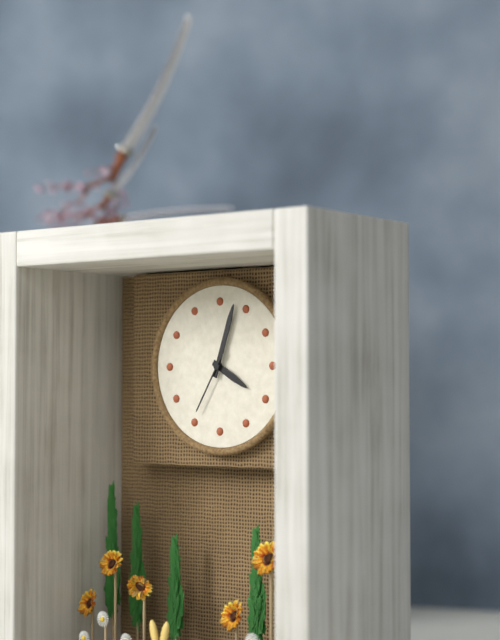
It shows 4,03,35
